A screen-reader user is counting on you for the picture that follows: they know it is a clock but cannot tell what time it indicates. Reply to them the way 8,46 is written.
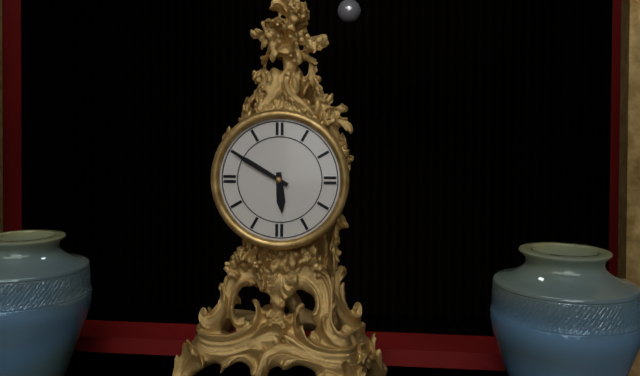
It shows 5,50
